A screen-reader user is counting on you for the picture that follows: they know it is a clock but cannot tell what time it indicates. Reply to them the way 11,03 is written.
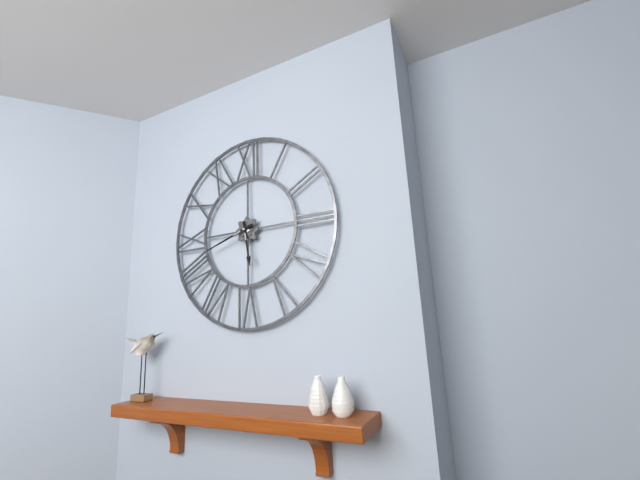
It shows 5,42
